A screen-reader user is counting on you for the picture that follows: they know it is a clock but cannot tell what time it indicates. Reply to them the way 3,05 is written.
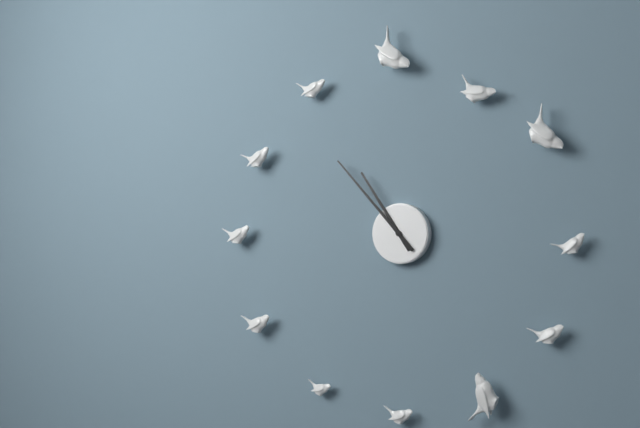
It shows 10,53
